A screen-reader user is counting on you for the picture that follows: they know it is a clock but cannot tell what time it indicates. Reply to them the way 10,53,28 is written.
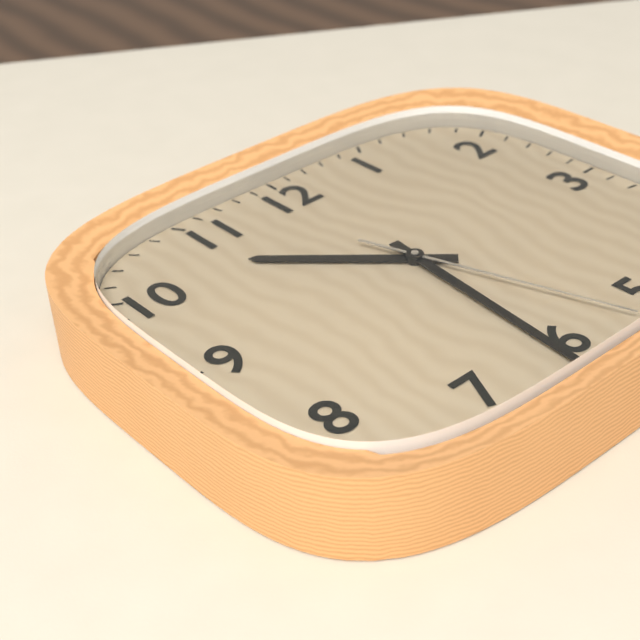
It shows 10,31,27
